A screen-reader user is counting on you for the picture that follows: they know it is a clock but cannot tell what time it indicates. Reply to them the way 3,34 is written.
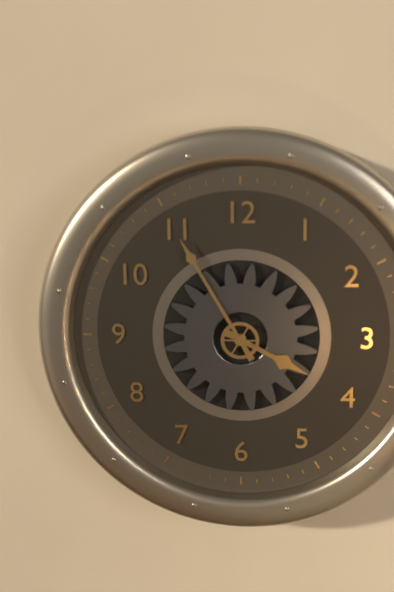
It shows 3,55
